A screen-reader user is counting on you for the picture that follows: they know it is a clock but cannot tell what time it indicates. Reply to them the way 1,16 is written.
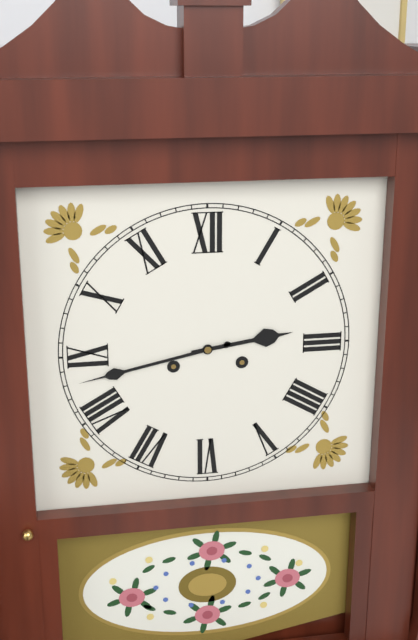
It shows 2,43
